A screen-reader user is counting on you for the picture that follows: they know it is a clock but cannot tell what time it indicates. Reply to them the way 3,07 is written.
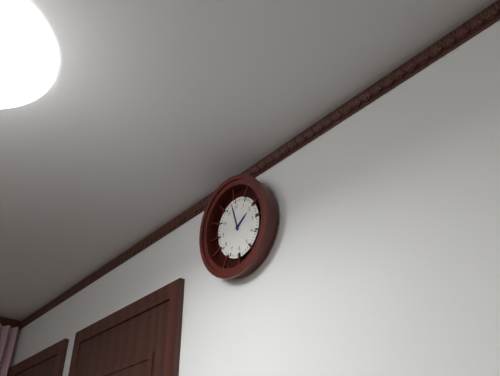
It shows 1,58
